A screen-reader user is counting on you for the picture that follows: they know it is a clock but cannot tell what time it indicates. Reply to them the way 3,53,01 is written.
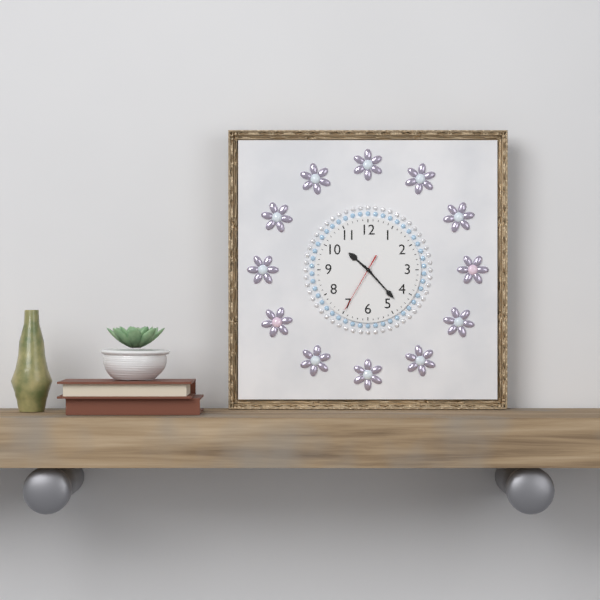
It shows 10,23,35
